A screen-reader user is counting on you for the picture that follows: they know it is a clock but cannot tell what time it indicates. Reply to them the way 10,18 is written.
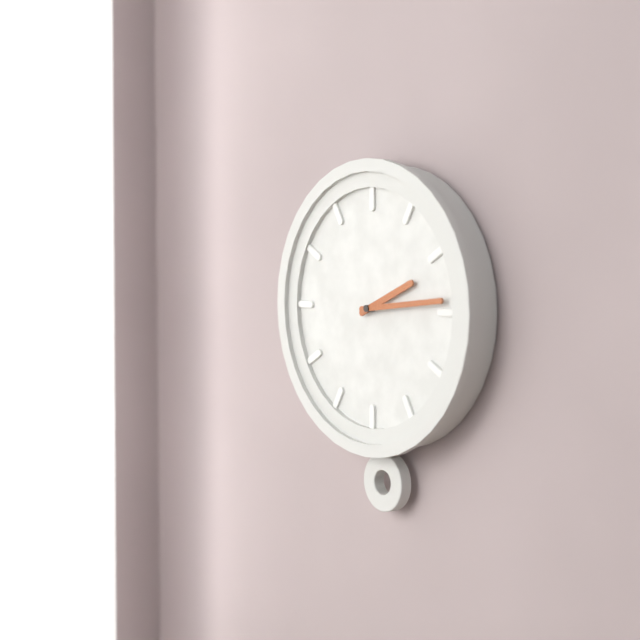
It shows 2,14
